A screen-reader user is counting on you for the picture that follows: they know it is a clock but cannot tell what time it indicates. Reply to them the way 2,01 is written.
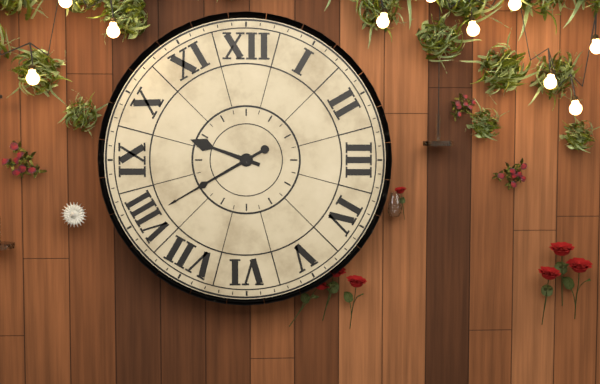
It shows 9,40
